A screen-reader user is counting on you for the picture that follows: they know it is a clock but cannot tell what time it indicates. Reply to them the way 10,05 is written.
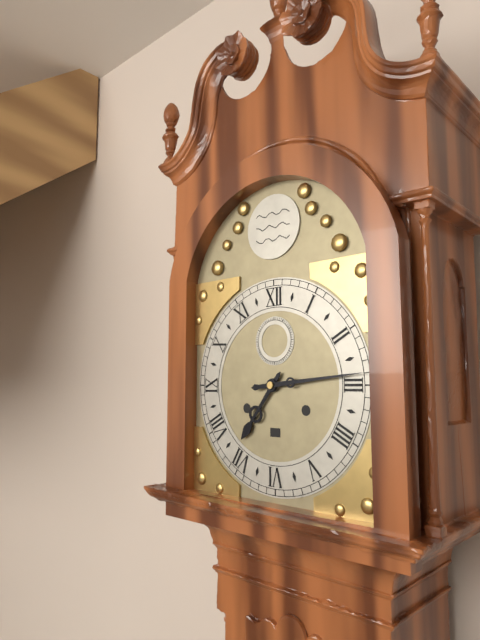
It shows 7,14
